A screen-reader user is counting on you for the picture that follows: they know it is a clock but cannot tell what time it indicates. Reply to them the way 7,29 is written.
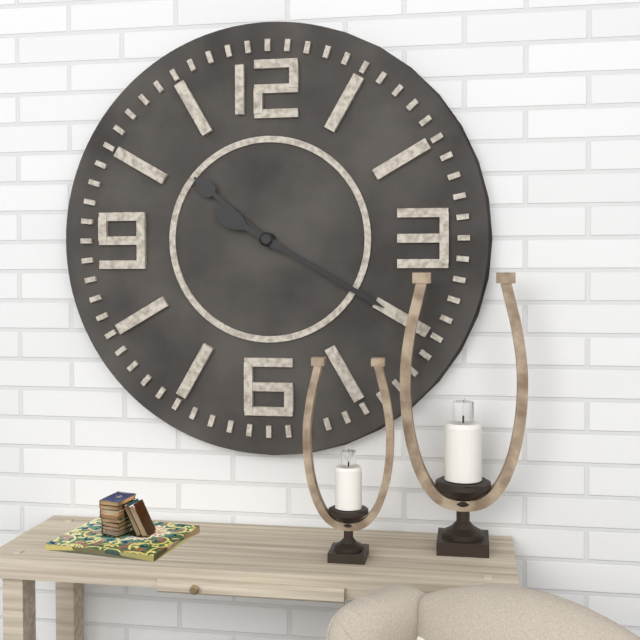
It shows 10,20
